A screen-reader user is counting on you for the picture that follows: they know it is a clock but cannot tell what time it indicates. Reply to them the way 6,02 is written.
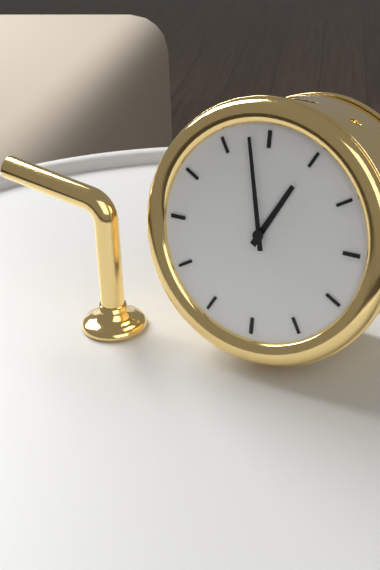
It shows 12,58
